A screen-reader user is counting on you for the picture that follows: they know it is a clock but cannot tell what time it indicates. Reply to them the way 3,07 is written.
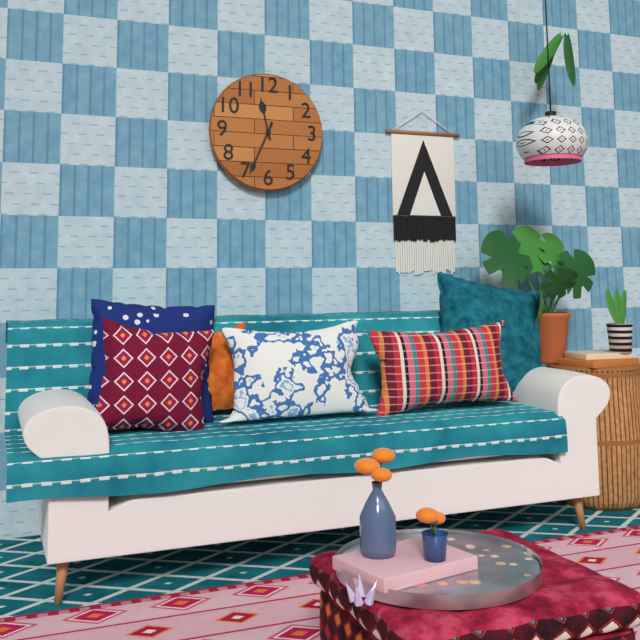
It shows 11,34
